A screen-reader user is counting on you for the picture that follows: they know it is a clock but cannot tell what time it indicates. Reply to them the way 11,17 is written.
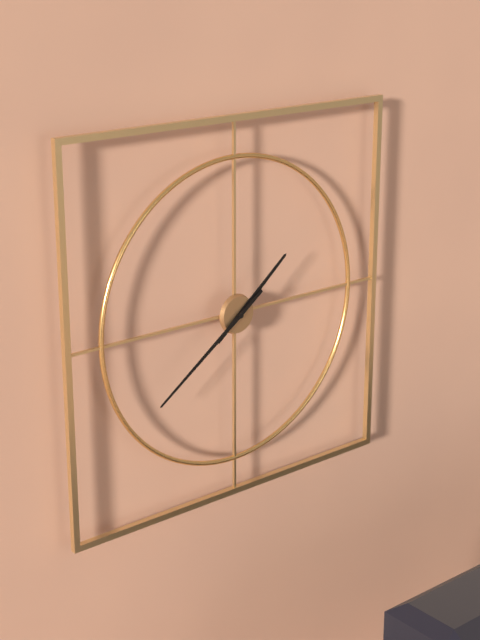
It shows 1,39
